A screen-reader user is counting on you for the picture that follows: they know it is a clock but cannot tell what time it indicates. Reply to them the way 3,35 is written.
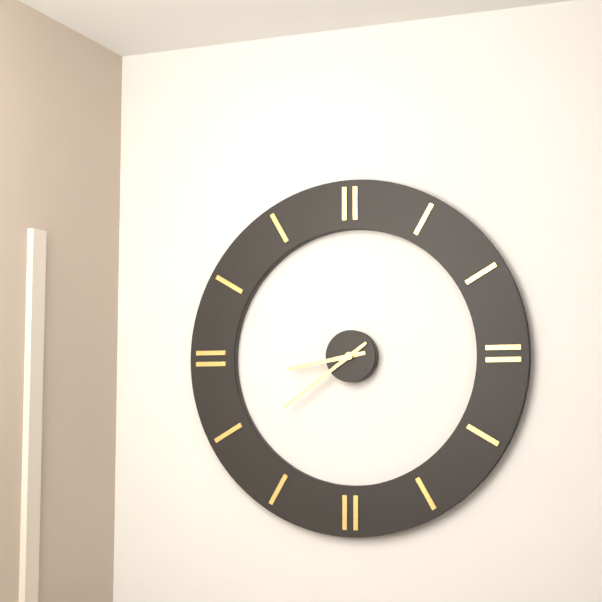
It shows 8,39
